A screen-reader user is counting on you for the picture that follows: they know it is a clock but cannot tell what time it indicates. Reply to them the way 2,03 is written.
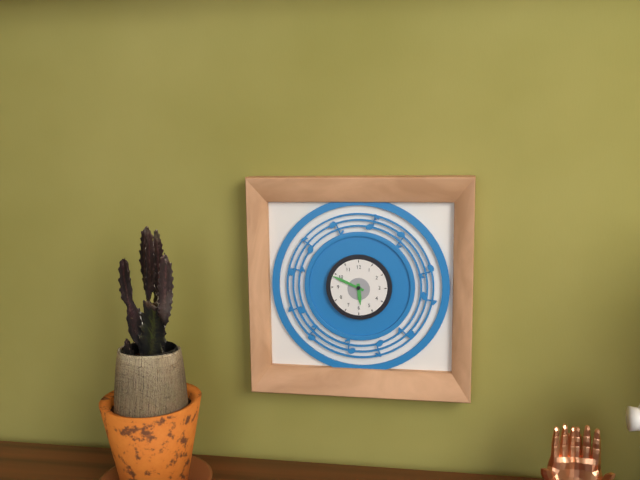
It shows 5,49
